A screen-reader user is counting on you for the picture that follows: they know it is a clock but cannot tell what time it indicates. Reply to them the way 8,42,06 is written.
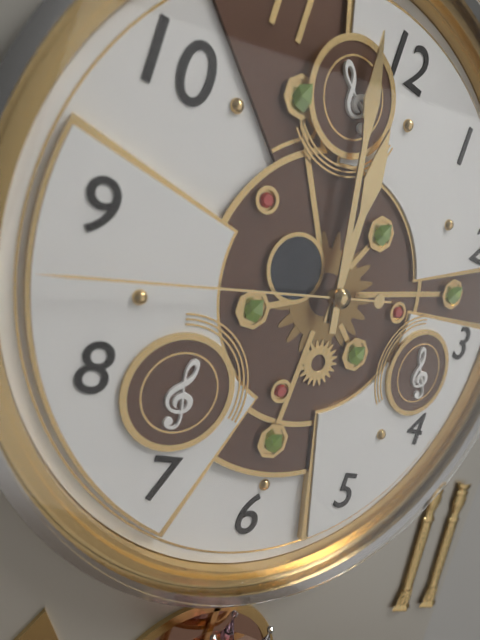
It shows 11,58,43
